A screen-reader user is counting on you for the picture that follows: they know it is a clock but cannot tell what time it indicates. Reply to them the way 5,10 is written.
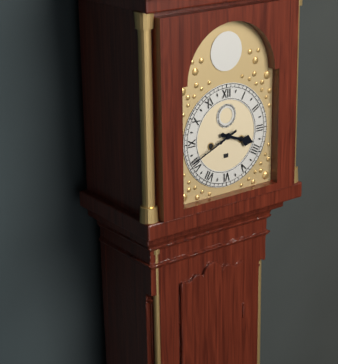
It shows 3,41
